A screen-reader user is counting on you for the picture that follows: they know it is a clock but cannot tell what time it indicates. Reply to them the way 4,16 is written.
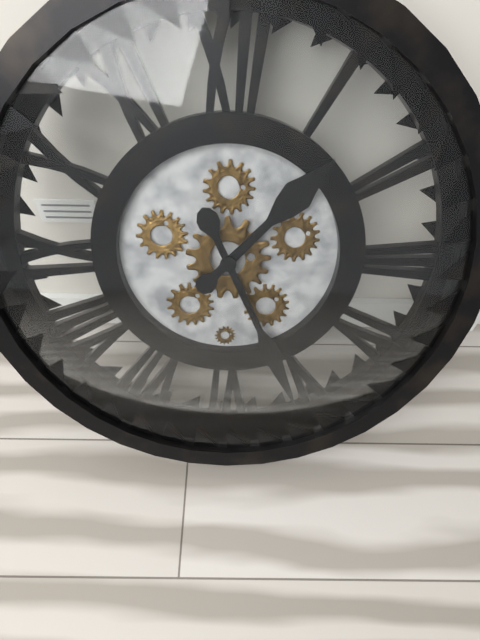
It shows 1,26
